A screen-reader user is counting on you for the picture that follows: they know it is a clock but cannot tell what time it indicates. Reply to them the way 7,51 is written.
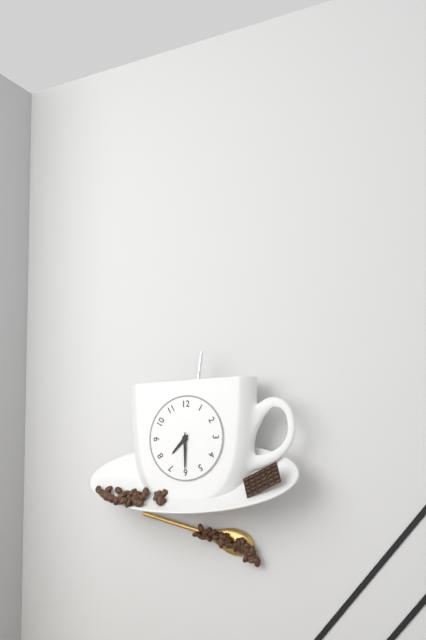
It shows 7,30
